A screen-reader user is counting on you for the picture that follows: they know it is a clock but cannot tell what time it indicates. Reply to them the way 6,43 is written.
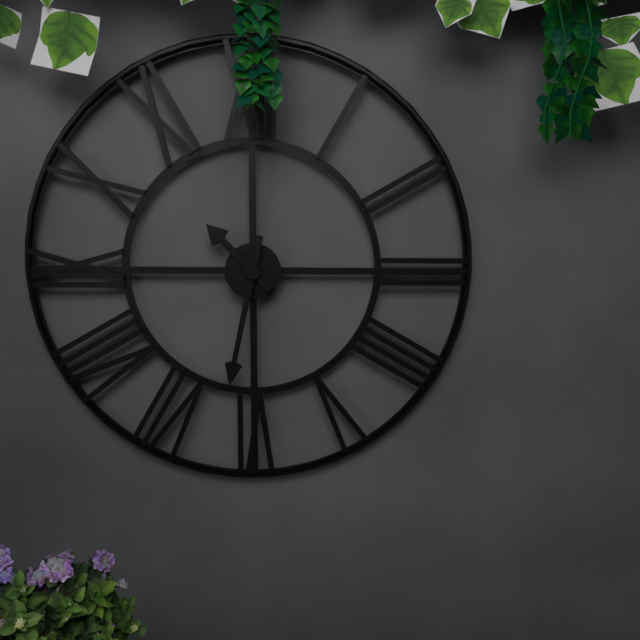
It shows 10,32
